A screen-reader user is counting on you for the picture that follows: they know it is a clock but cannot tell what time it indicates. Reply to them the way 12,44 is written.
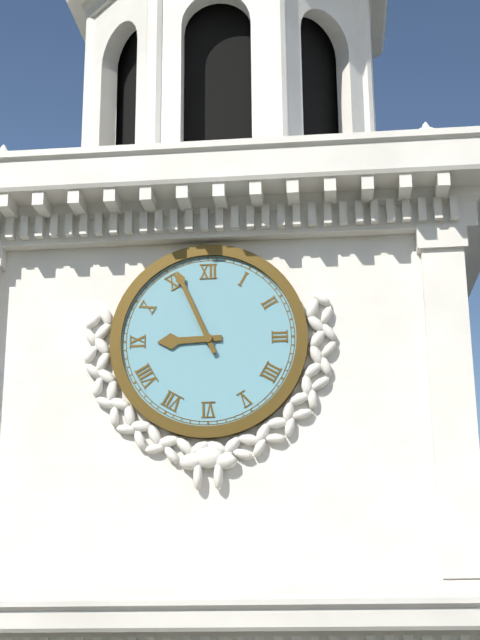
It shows 8,56
